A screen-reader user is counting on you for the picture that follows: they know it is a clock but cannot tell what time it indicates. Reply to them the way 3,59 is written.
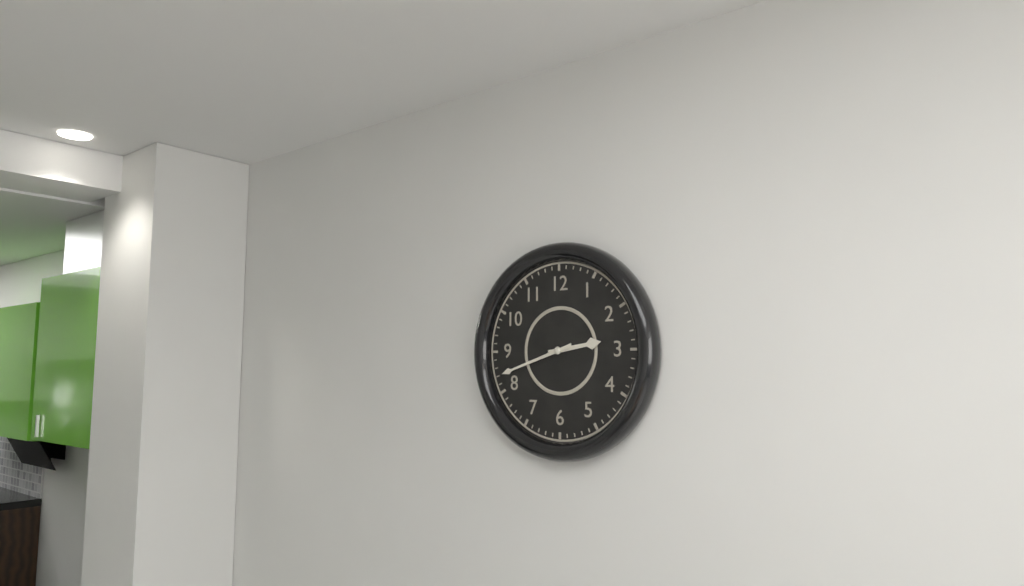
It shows 2,42
